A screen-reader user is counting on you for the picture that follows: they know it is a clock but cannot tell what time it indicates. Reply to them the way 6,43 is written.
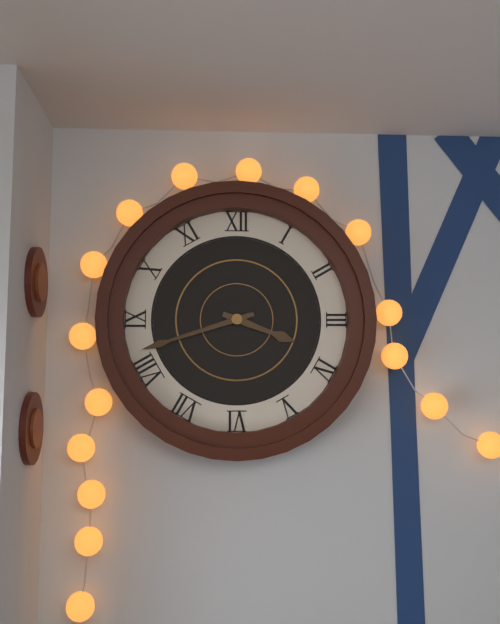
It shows 3,42
